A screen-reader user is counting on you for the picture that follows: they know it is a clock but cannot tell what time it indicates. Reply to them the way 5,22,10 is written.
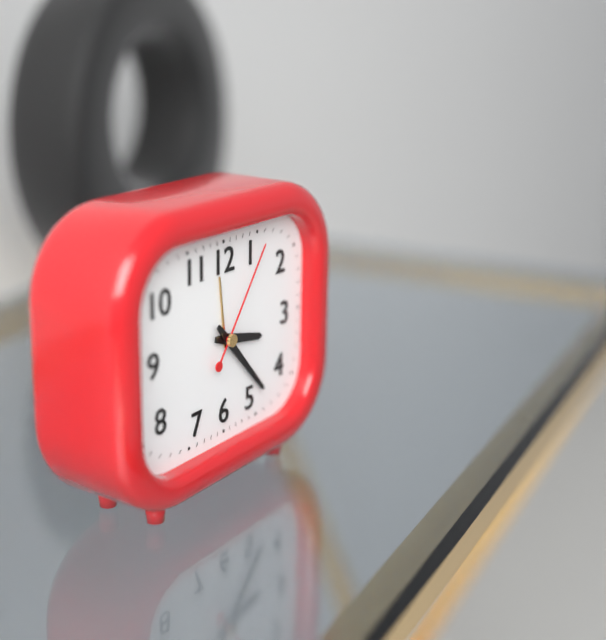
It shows 3,23,06
